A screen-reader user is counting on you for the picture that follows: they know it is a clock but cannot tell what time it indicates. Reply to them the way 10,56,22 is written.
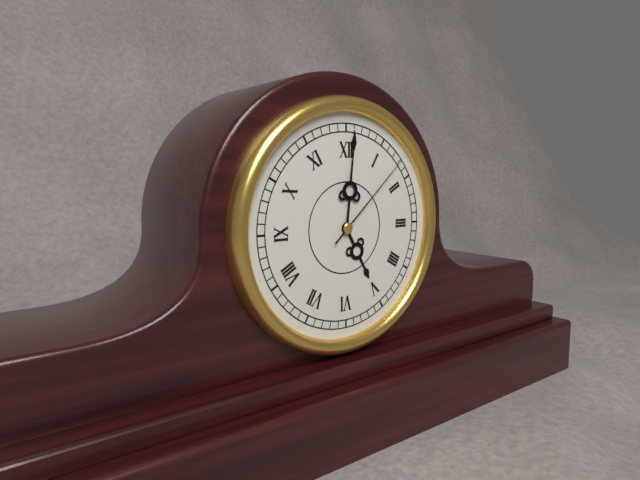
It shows 5,01,08
